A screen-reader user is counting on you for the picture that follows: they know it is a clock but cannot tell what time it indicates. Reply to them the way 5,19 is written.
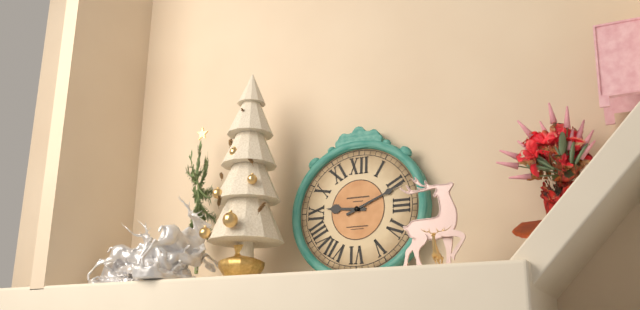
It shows 9,11
